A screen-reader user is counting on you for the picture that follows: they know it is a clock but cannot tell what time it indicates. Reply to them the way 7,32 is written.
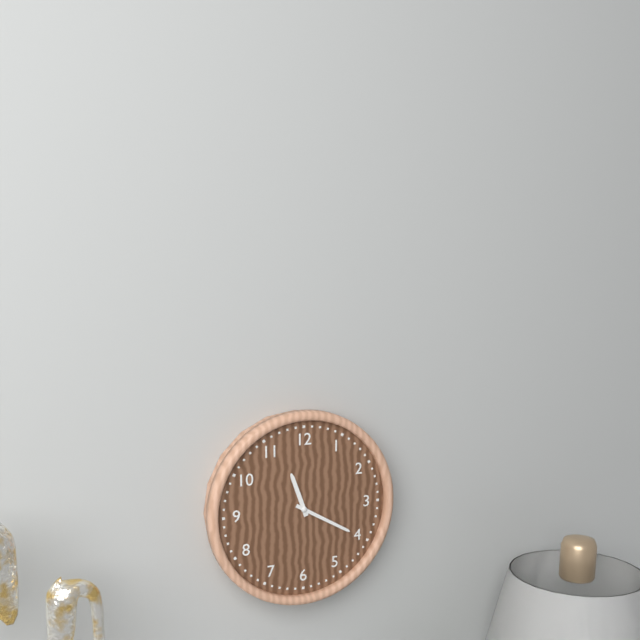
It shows 11,20
